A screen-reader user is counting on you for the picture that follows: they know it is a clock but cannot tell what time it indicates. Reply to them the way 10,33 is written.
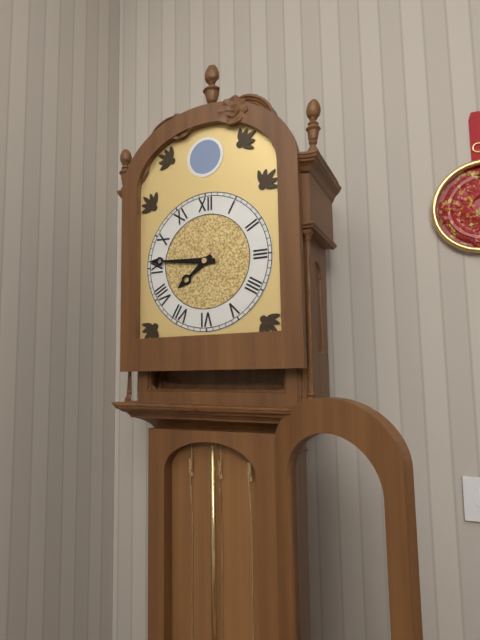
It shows 7,46
